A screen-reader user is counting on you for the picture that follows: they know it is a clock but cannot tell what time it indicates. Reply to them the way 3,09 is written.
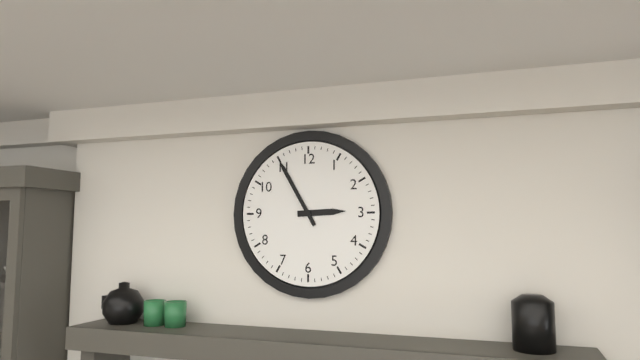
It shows 2,55
